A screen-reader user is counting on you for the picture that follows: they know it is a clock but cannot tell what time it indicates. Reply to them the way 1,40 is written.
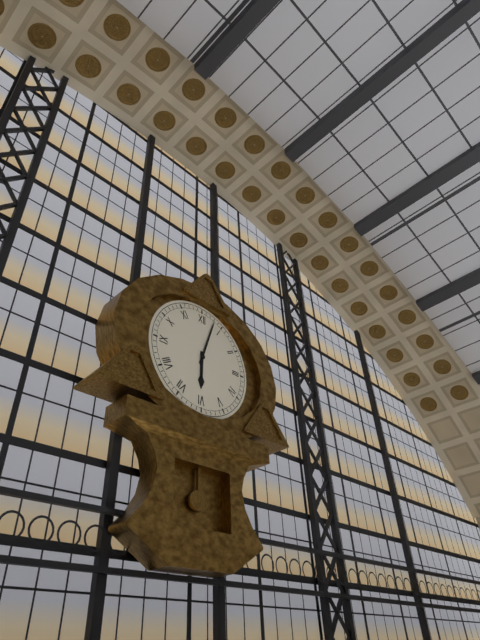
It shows 6,03
